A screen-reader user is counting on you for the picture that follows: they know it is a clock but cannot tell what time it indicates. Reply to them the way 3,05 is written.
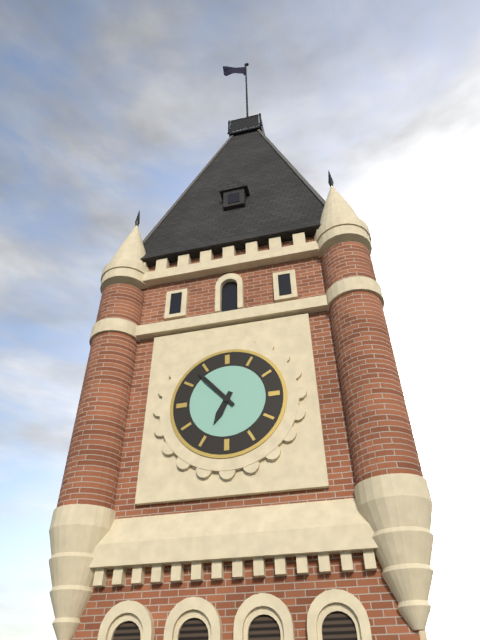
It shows 6,53
